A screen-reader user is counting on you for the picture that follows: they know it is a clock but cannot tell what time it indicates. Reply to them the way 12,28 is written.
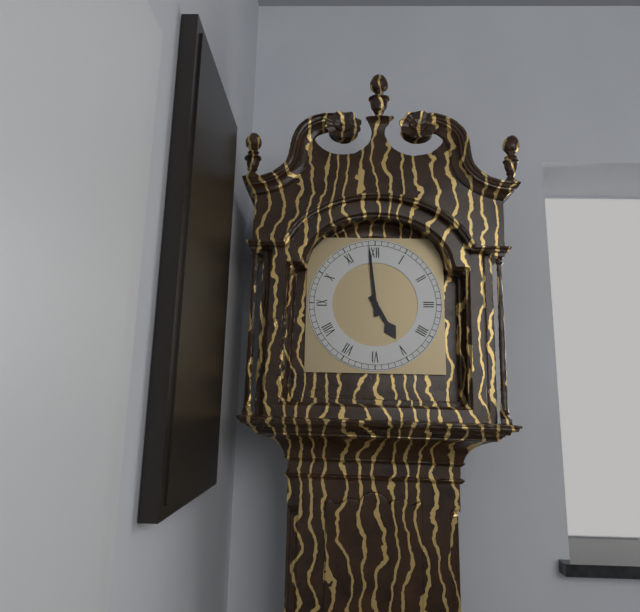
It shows 4,59
